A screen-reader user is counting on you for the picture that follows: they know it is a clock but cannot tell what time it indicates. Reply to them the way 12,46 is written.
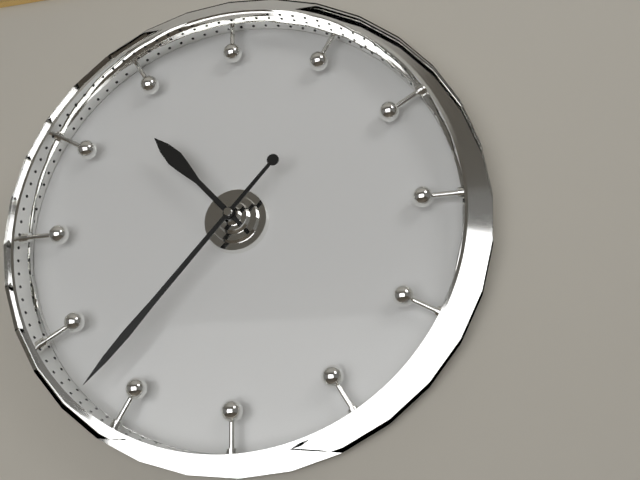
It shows 10,37
